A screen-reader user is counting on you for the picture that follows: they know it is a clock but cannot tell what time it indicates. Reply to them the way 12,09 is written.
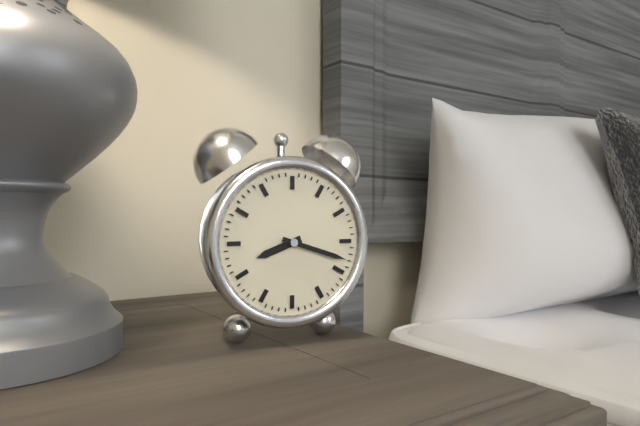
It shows 8,18
